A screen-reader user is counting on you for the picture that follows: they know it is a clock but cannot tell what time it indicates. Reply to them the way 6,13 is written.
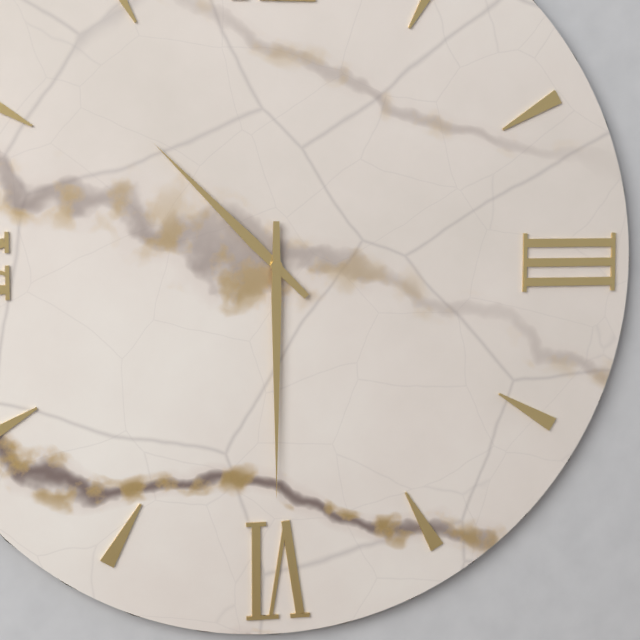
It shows 10,30
